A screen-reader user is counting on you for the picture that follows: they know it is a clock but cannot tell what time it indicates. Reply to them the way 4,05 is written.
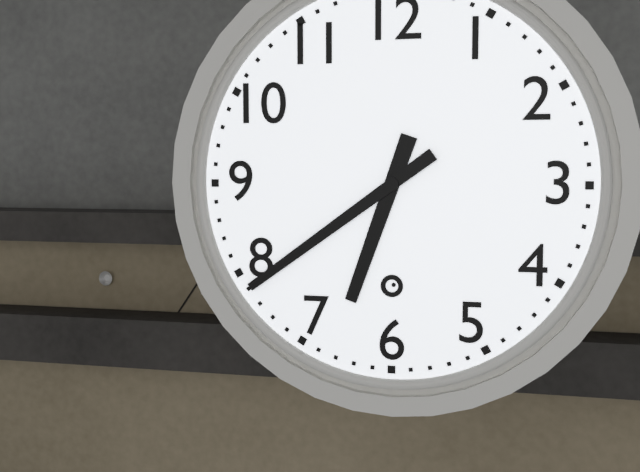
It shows 6,39
